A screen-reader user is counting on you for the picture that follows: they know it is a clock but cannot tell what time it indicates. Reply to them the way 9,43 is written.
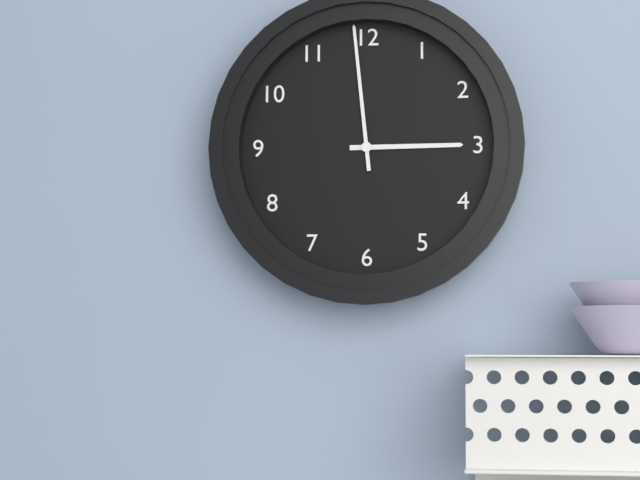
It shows 2,59
